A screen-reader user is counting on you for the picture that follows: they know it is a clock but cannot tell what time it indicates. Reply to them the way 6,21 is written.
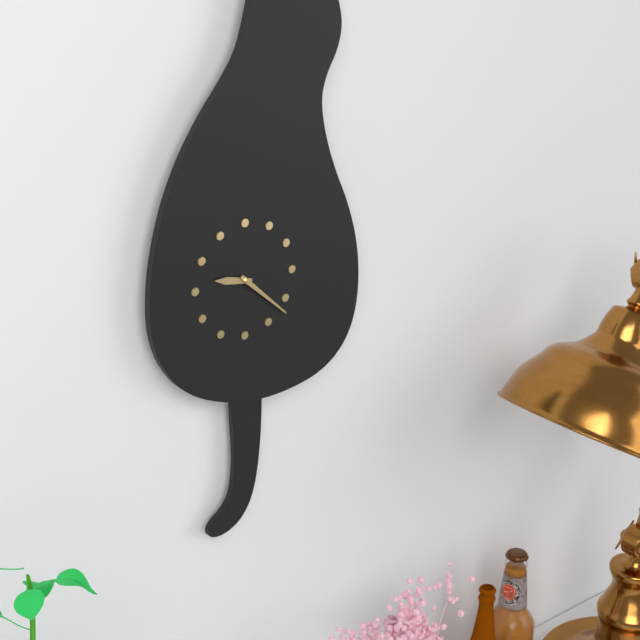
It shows 9,22
